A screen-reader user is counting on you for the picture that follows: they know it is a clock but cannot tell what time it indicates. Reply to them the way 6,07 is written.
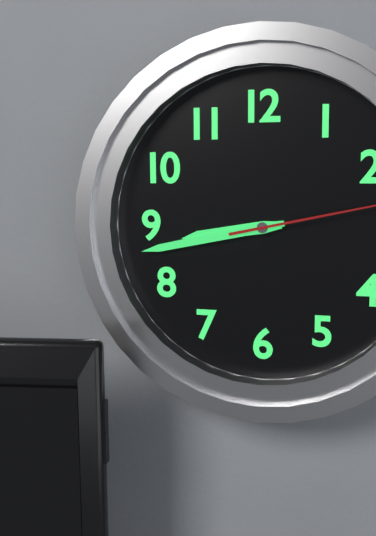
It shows 8,43
